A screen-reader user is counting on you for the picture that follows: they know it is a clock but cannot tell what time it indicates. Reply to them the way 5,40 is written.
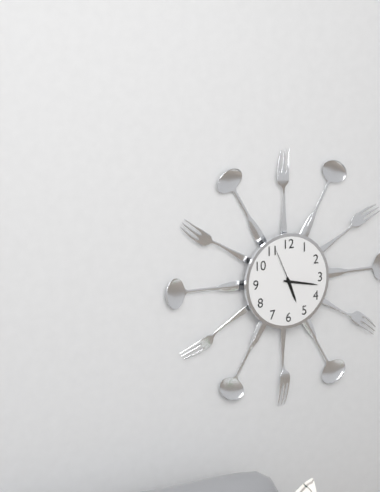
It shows 5,17
